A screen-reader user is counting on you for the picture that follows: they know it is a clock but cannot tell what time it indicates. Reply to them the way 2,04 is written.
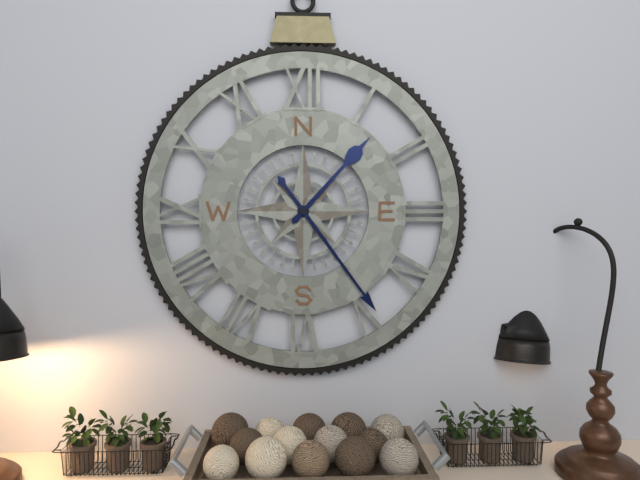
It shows 1,24
